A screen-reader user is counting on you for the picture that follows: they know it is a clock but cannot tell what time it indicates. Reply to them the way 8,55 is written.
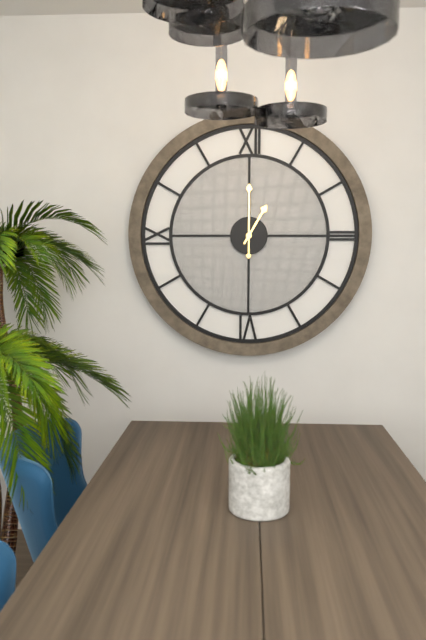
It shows 1,00
